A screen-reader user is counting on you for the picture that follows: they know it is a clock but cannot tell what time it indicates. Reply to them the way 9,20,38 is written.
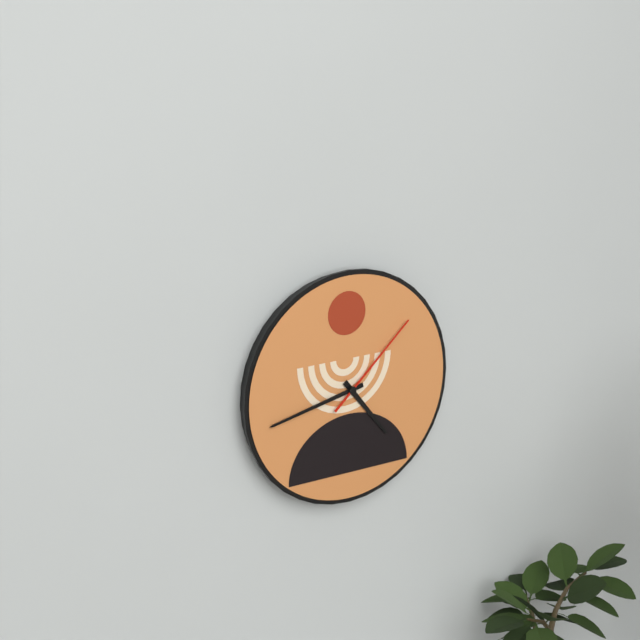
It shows 4,43,08
